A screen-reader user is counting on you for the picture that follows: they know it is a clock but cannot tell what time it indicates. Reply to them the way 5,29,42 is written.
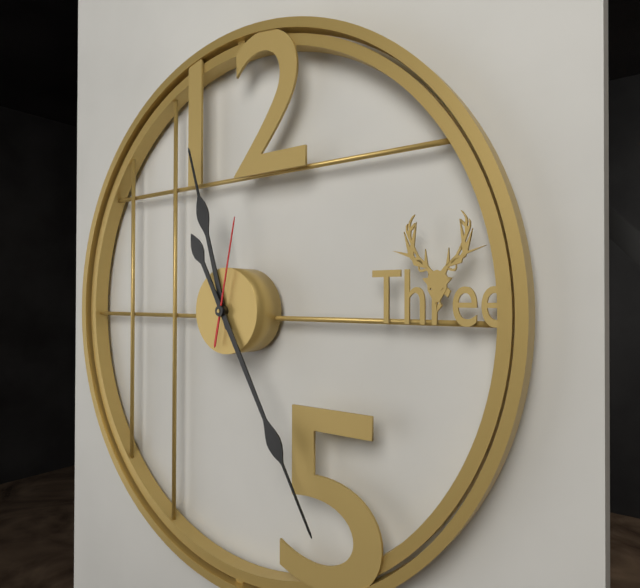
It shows 11,25,02
